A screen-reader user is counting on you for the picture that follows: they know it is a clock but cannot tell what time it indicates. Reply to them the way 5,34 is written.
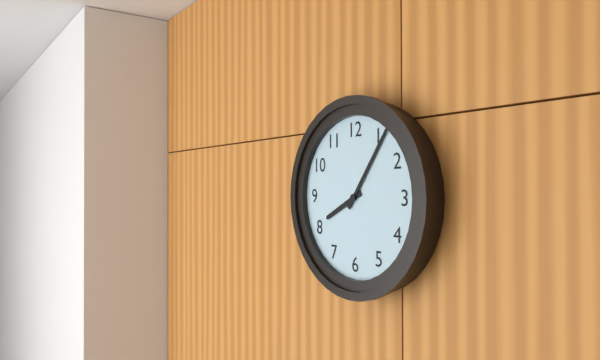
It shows 8,06
